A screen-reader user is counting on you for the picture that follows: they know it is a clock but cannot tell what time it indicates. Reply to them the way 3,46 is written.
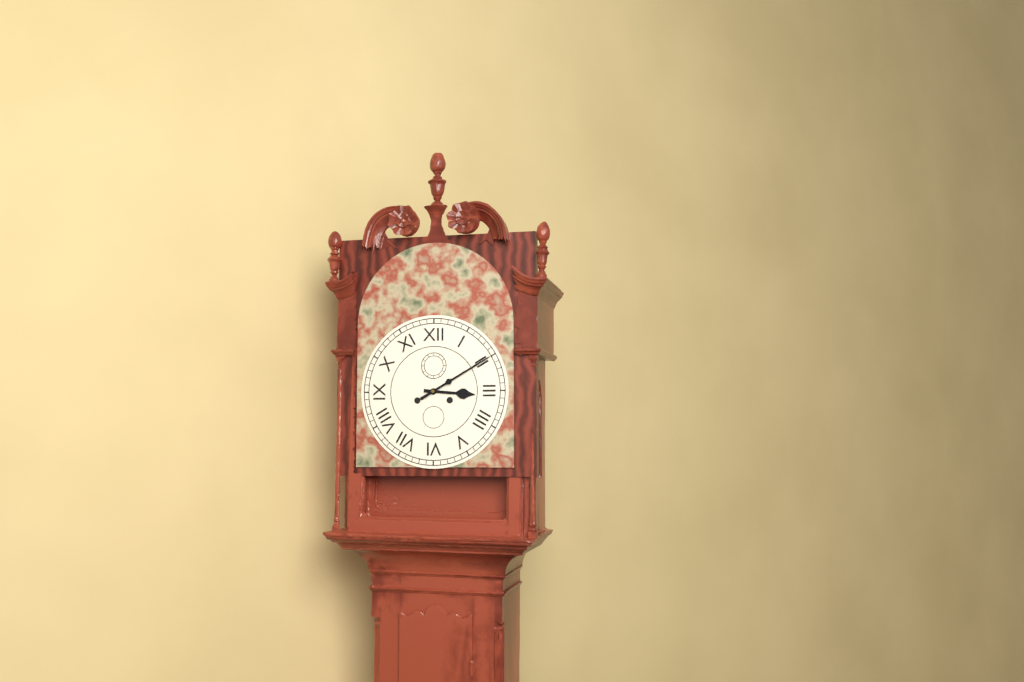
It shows 3,10
